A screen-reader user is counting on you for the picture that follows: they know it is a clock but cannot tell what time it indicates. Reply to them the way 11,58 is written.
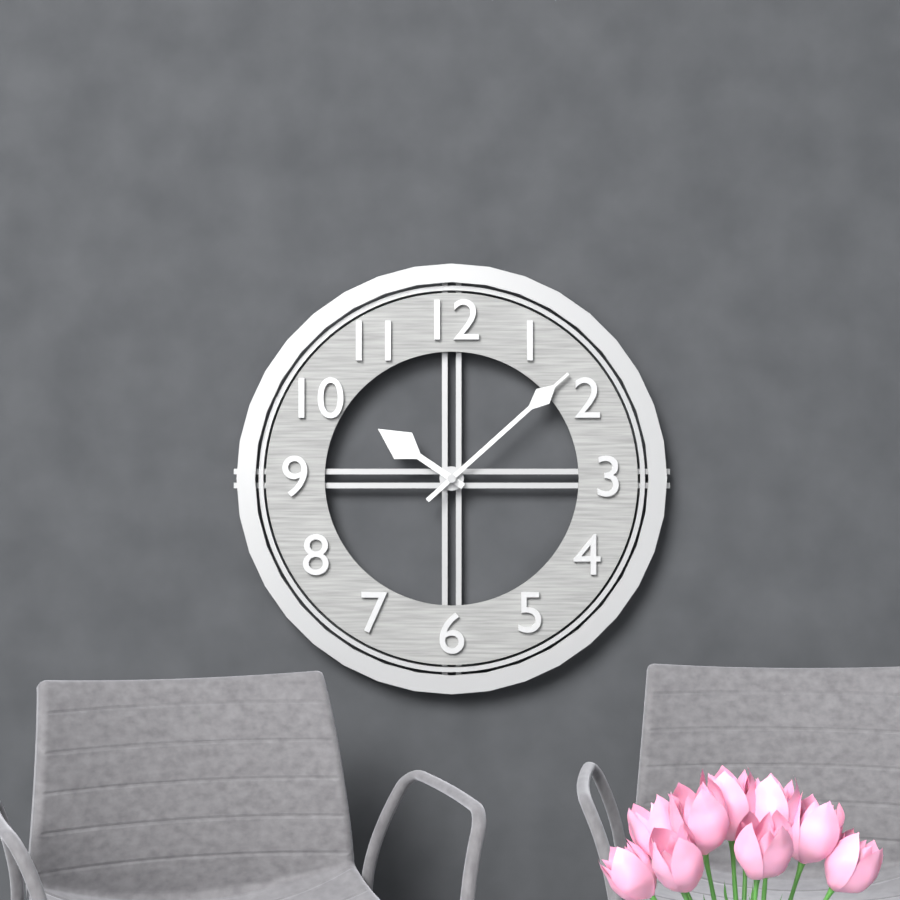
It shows 10,08
